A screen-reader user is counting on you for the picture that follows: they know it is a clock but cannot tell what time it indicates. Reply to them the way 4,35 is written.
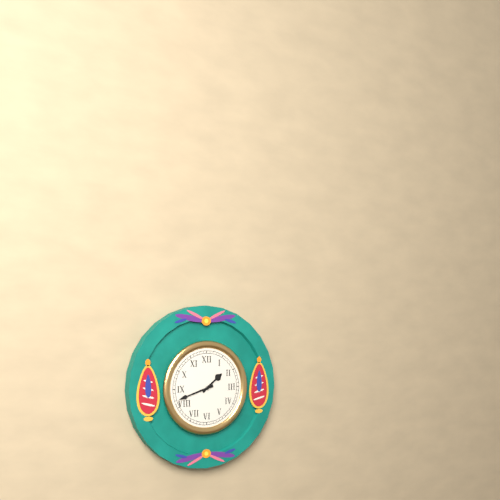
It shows 1,42
